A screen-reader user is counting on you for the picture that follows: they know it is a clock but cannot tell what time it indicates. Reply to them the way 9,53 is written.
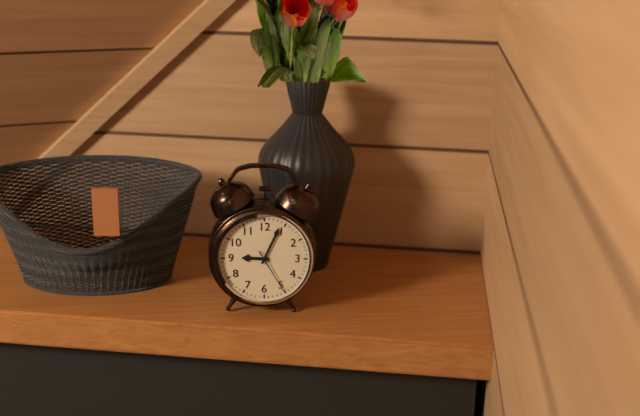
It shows 9,04
